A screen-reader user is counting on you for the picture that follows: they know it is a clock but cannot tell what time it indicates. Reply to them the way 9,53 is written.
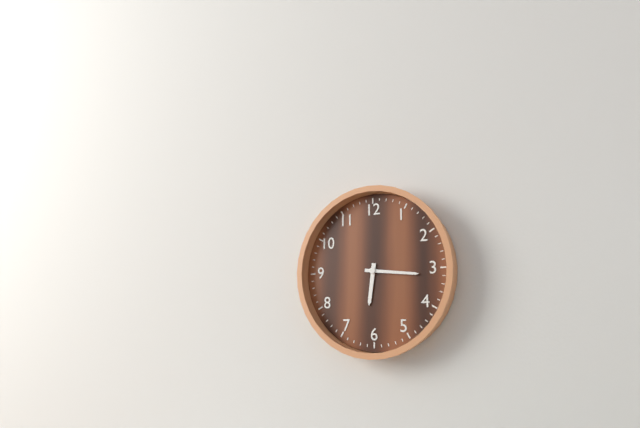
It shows 6,16
